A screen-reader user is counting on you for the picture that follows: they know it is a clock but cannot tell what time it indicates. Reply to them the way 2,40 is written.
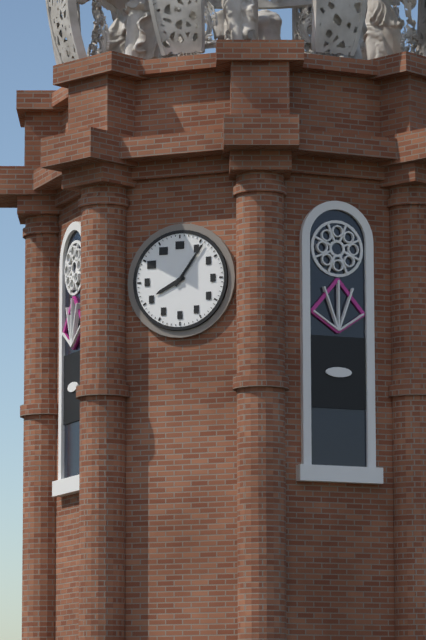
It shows 8,06
